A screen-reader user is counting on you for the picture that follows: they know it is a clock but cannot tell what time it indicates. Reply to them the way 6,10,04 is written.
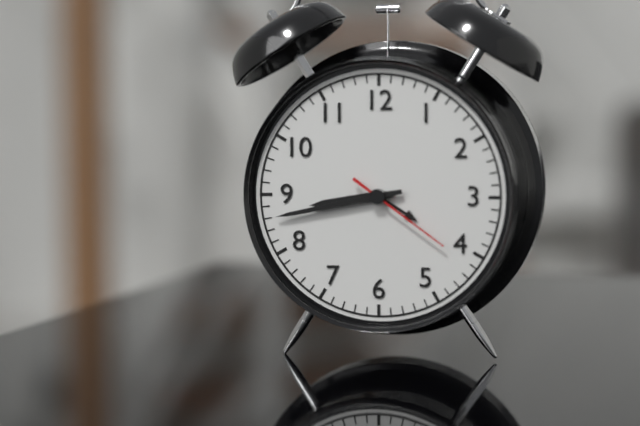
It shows 8,43,21
